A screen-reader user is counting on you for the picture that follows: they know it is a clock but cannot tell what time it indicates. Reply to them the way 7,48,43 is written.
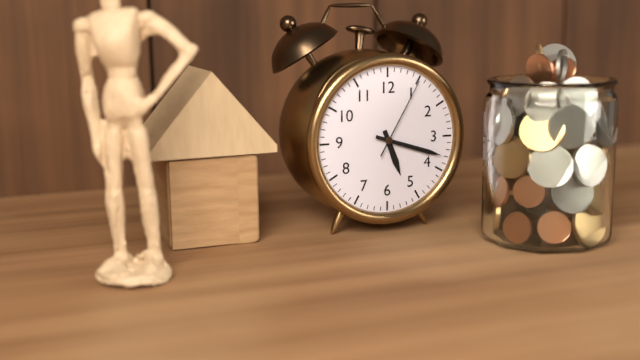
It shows 5,18,05
